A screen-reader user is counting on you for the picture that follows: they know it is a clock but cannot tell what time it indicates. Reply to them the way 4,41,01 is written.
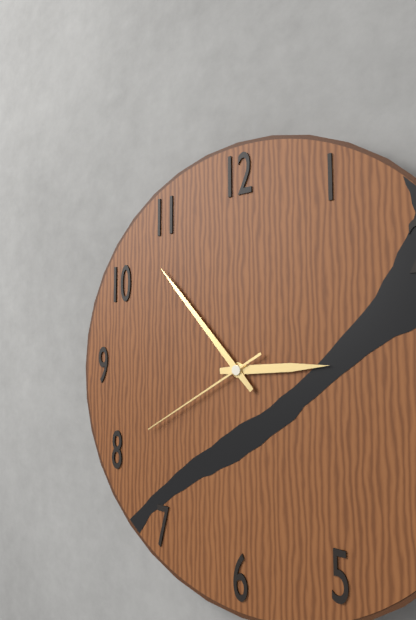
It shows 2,53,40
